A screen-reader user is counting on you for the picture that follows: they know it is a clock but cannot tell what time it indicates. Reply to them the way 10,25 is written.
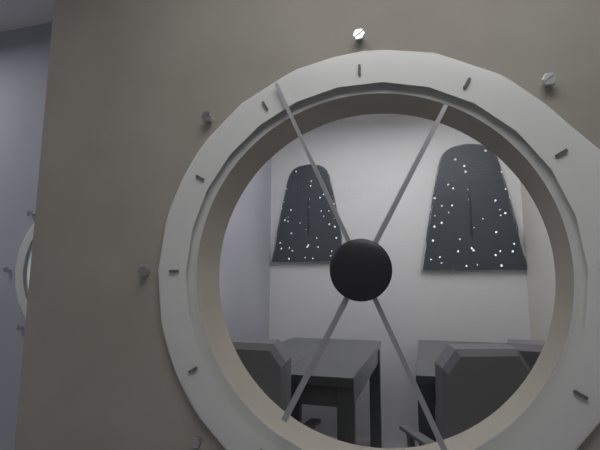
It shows 12,56
